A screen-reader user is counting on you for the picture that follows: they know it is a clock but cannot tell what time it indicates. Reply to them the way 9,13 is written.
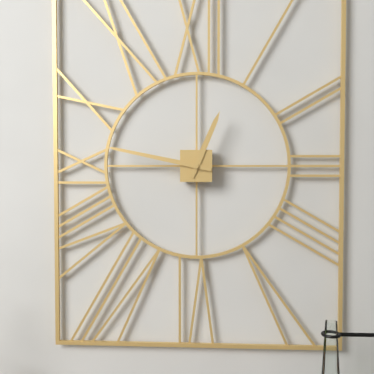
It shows 12,47
